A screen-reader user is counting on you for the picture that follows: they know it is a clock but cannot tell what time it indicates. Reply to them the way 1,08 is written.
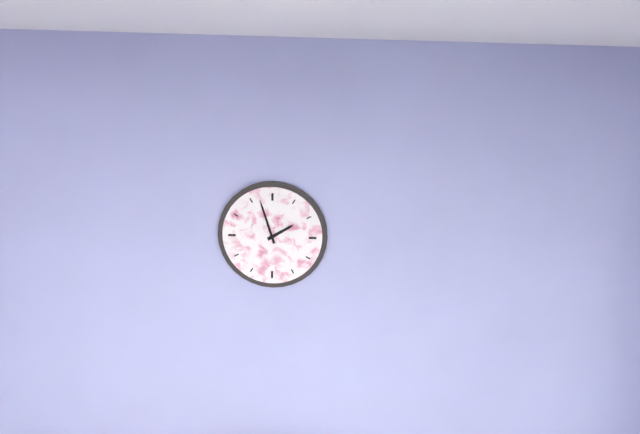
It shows 1,57
